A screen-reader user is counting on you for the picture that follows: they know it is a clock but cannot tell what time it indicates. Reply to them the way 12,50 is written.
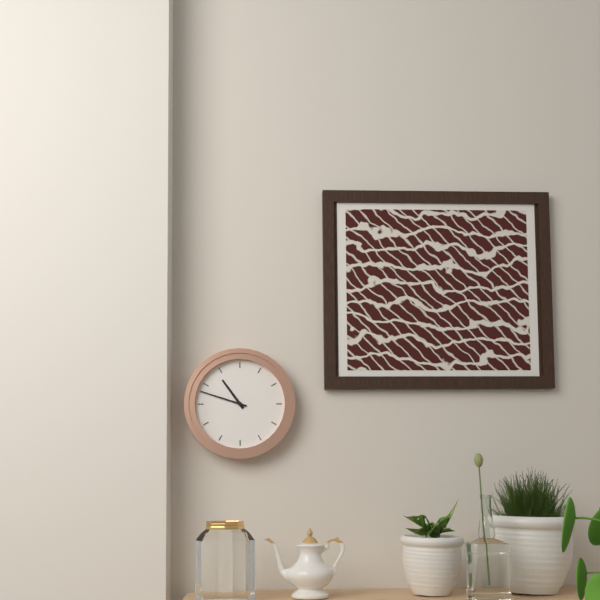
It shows 10,48
